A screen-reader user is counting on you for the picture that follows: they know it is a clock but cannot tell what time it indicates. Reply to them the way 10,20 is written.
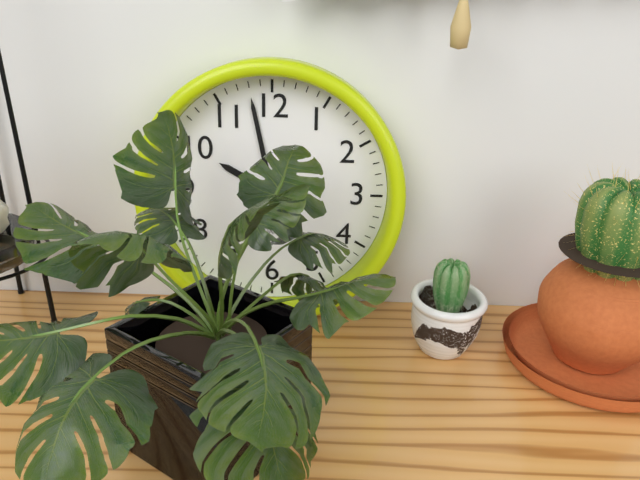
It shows 9,58
